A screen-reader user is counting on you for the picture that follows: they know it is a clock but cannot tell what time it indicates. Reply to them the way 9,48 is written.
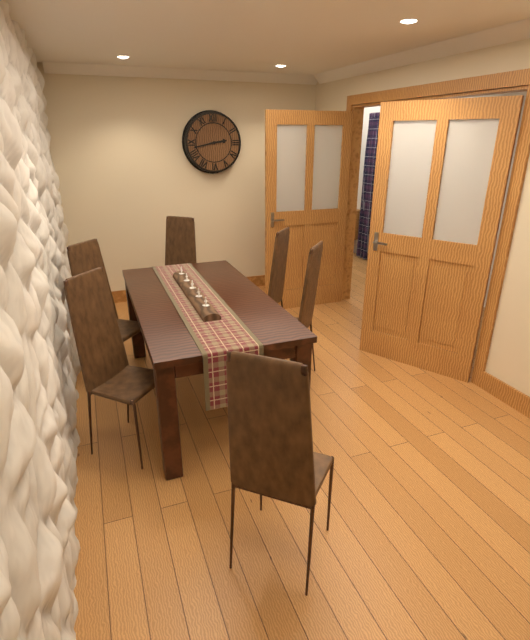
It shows 2,43
